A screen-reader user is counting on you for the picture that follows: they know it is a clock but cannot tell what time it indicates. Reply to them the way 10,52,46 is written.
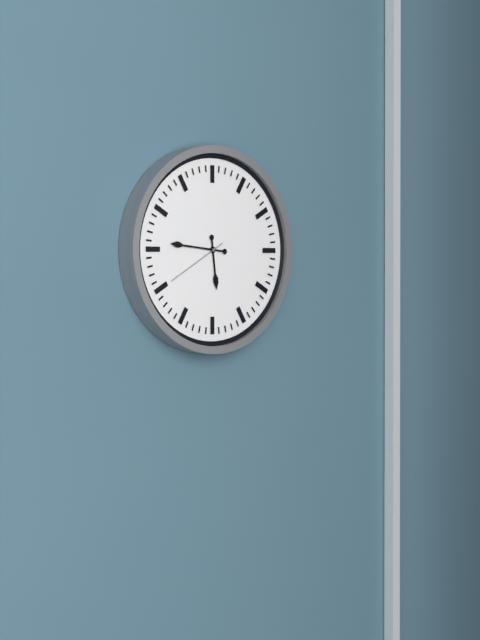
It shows 5,46,40
